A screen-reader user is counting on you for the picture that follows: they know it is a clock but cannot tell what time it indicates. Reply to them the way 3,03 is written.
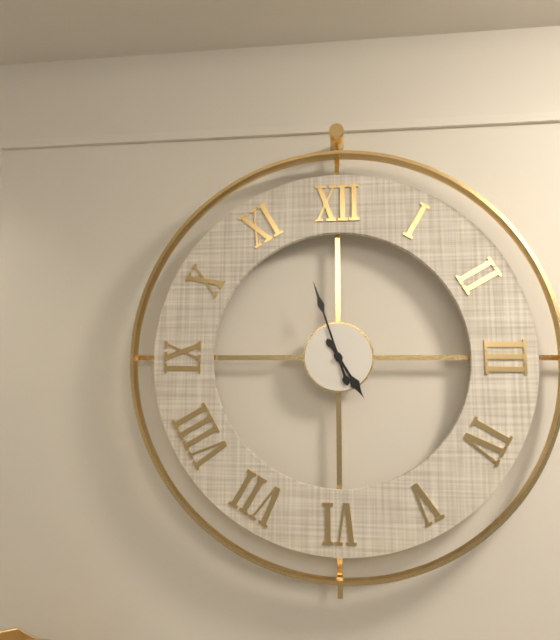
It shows 4,57
